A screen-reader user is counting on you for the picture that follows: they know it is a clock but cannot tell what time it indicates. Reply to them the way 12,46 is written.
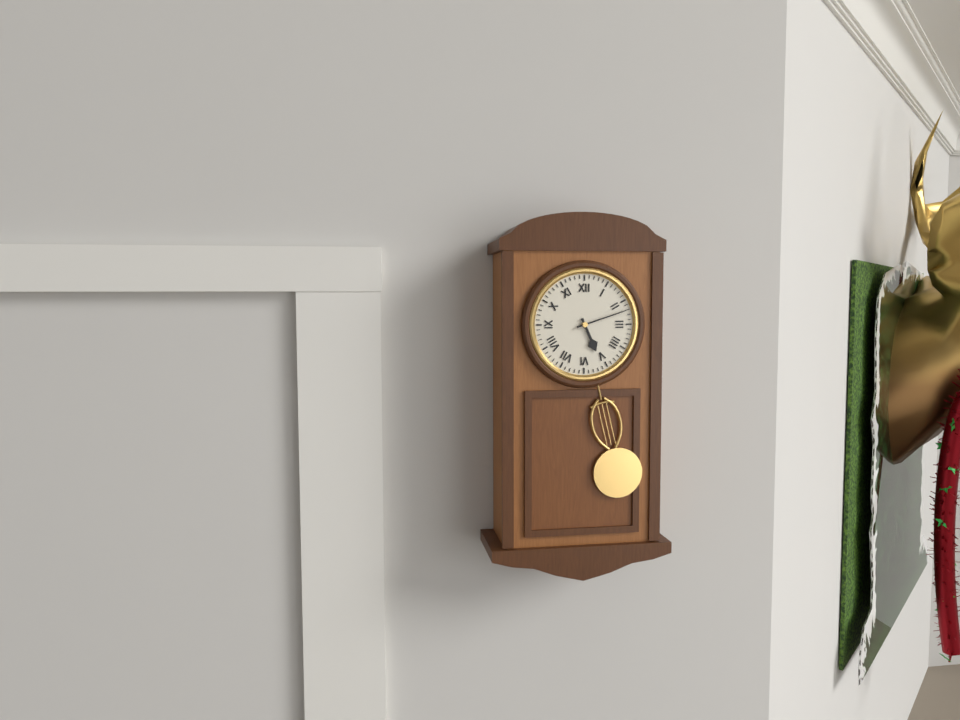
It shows 5,12
